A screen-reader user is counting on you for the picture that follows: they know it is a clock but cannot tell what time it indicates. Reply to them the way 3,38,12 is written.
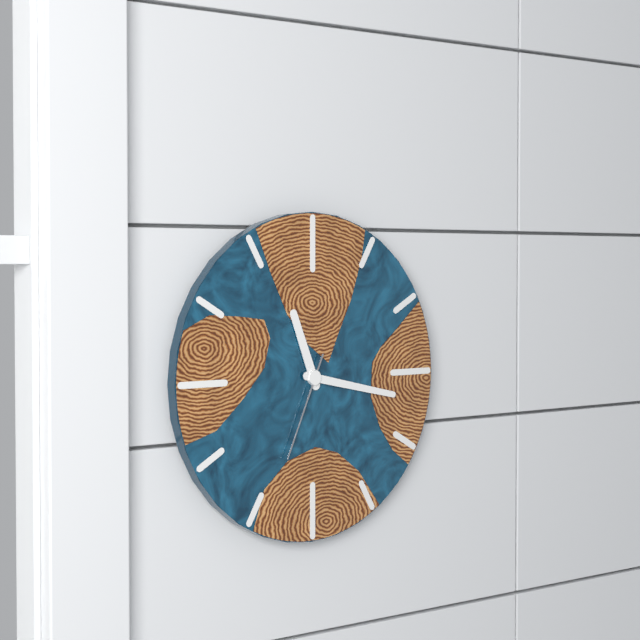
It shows 11,17,34
